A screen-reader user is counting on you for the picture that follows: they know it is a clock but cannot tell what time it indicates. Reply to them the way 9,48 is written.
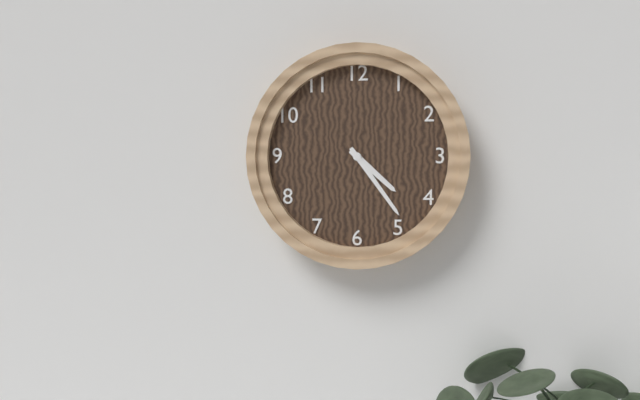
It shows 4,24
